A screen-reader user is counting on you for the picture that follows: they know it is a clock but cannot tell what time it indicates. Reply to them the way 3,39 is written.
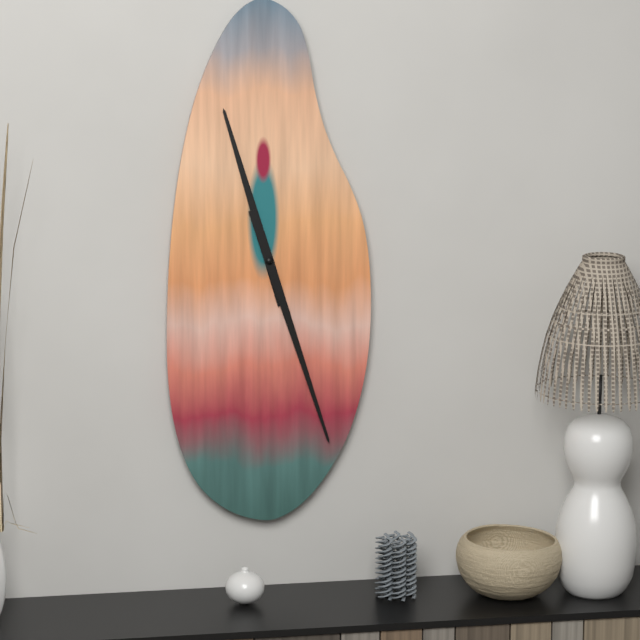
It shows 11,27
